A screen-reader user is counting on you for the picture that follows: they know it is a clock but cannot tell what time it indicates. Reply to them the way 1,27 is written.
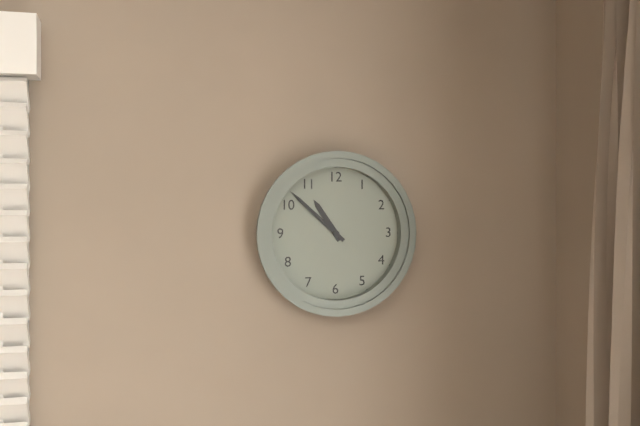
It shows 10,52
